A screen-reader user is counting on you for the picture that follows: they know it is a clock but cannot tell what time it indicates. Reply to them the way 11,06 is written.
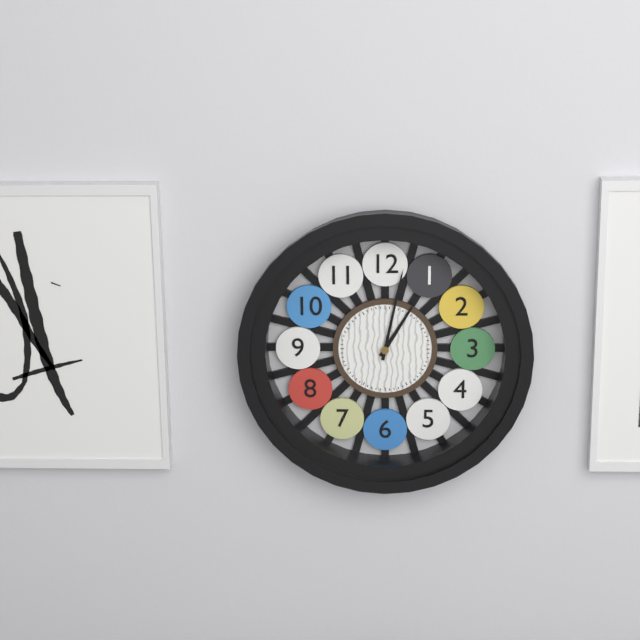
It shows 1,02
